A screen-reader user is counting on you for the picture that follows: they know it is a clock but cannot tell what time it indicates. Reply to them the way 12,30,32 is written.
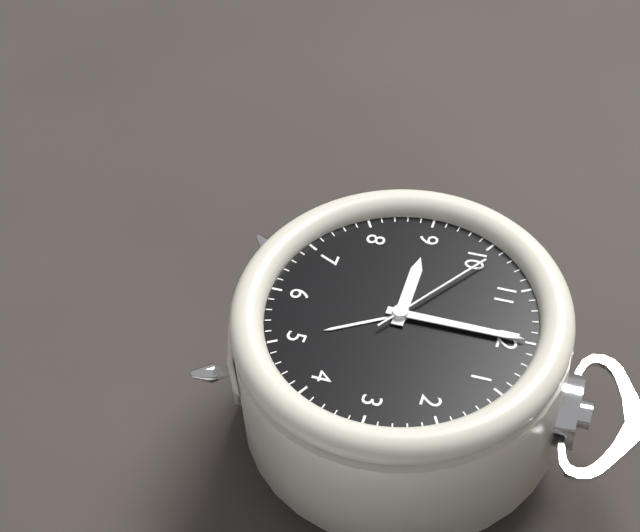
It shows 9,00,51
